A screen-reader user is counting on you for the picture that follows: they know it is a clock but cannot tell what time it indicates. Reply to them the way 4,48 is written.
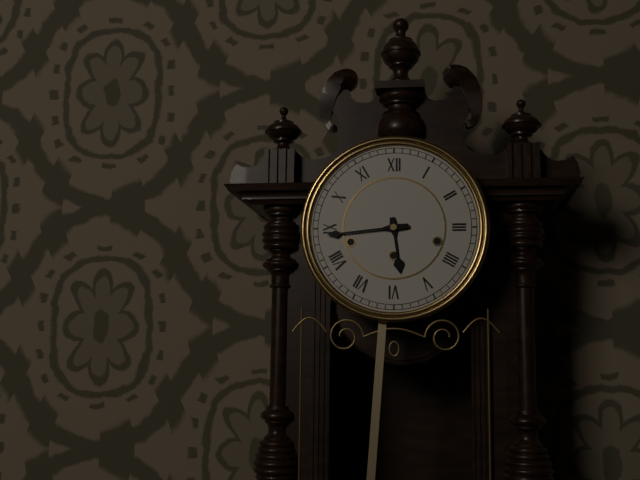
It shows 5,44
